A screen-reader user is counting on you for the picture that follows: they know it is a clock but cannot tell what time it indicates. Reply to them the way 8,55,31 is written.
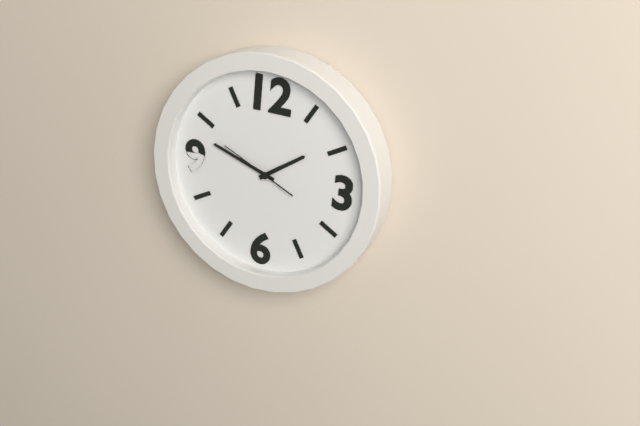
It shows 1,48,49
